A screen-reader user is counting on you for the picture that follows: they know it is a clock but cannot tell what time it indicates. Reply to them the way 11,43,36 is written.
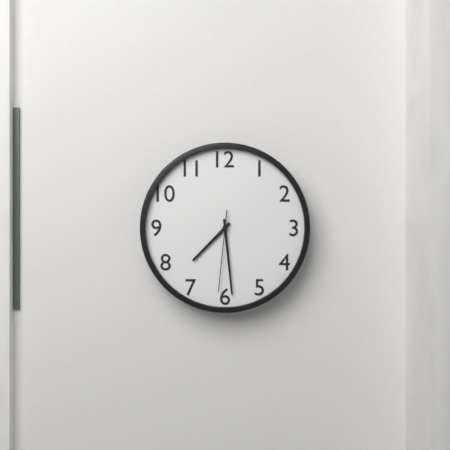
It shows 7,29,31
